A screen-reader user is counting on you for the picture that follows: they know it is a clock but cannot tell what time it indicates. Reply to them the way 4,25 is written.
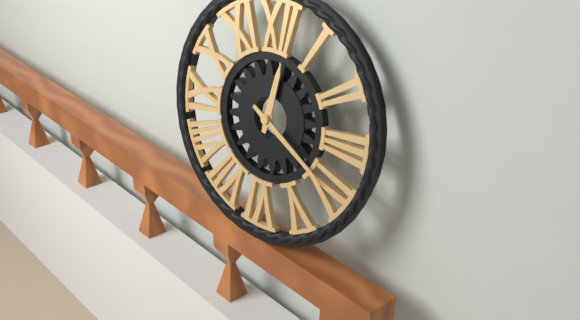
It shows 12,20
